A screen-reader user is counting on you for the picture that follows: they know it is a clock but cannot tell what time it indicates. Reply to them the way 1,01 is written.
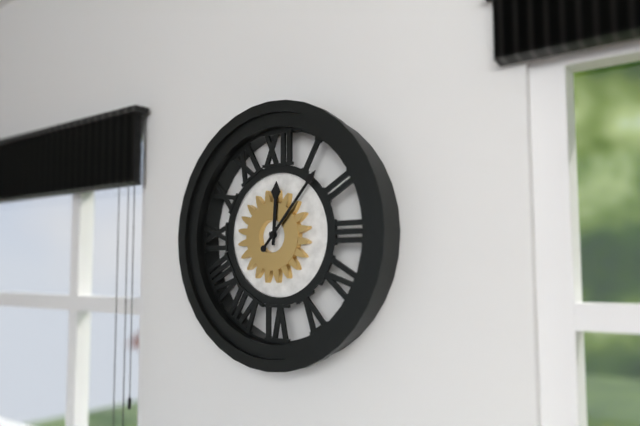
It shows 12,07
